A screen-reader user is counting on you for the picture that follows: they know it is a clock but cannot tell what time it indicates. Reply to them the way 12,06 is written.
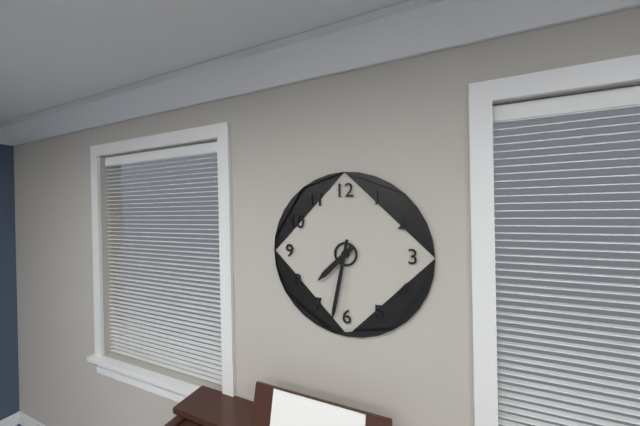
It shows 7,32
